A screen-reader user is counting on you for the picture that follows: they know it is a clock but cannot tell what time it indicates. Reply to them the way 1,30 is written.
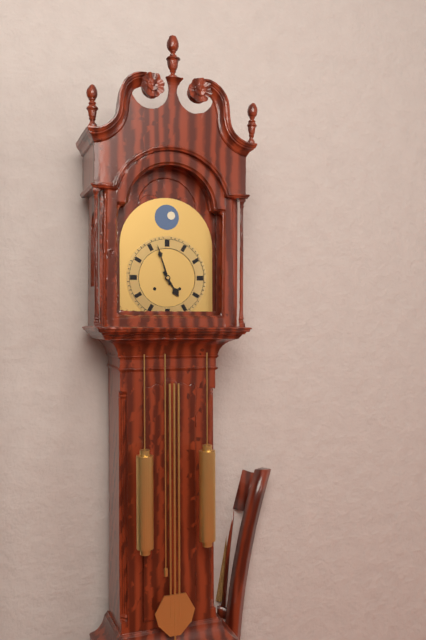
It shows 4,57
